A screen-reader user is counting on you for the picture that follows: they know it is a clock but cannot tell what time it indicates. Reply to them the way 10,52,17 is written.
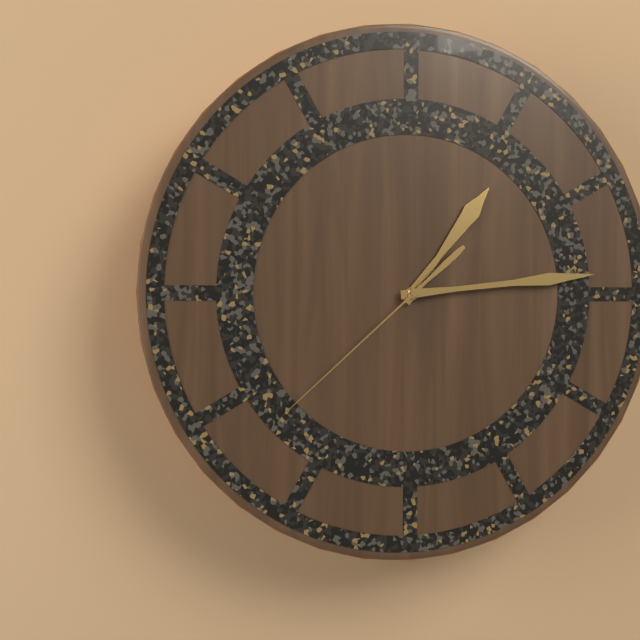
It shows 1,14,38
